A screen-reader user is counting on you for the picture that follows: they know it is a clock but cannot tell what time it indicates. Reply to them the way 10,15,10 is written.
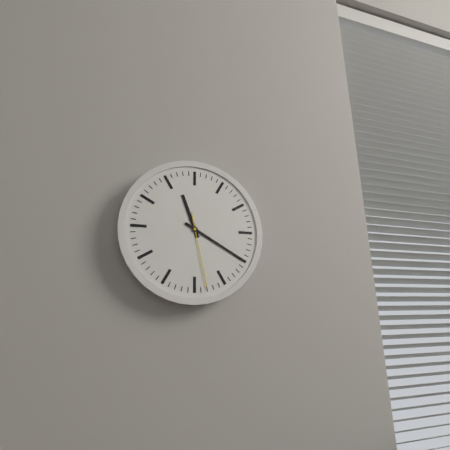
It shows 11,20,28
